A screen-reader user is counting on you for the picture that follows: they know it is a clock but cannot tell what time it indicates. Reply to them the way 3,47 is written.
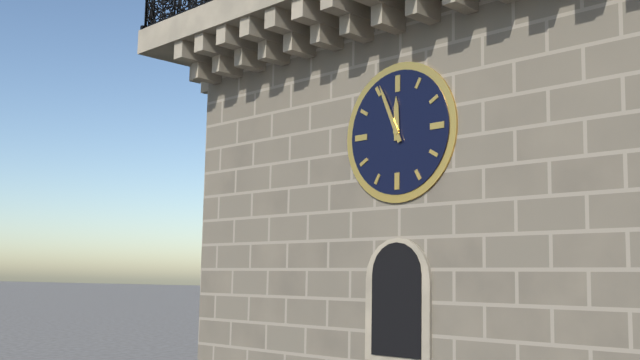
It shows 11,56
